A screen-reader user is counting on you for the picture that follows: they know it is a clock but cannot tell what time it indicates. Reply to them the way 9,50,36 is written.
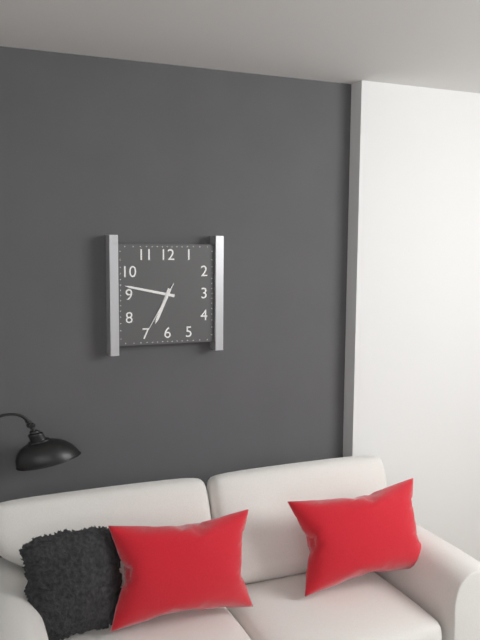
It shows 6,47,35
